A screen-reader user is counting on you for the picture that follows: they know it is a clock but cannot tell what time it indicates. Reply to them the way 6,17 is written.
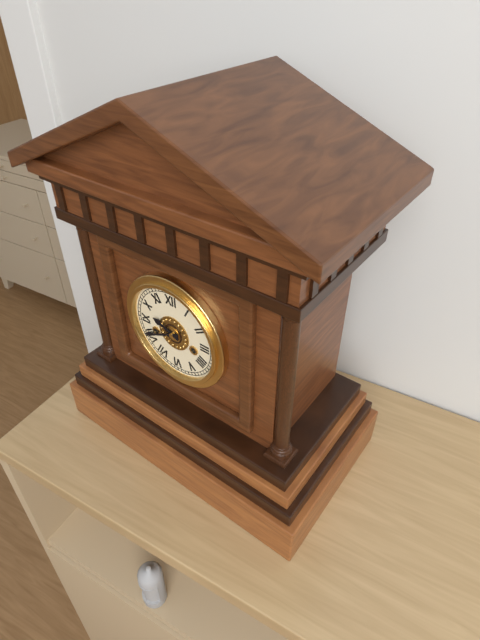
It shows 9,41
